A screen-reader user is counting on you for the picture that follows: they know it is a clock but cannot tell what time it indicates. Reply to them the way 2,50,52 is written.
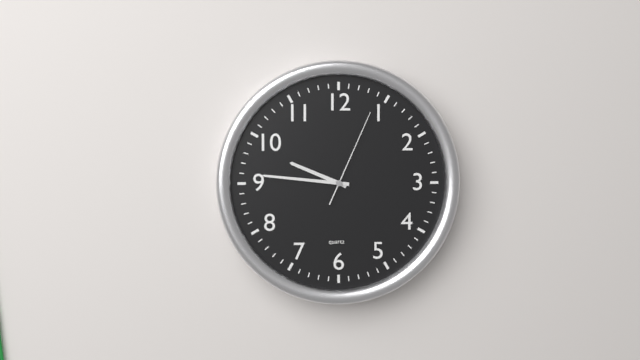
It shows 9,46,04
